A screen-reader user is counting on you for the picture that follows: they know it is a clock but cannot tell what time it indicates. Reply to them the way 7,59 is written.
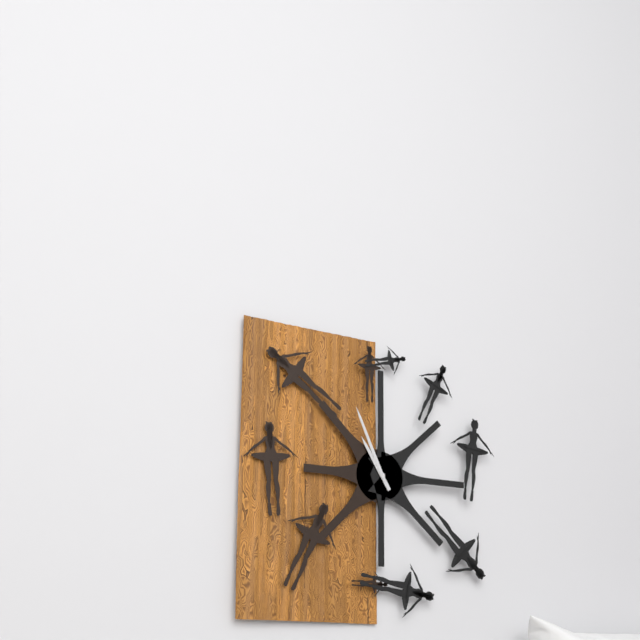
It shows 10,56
